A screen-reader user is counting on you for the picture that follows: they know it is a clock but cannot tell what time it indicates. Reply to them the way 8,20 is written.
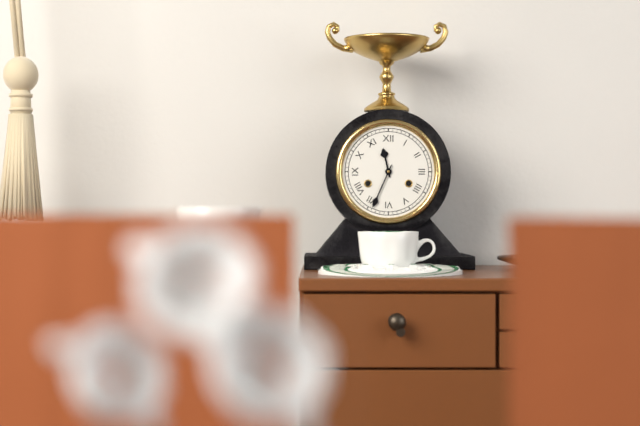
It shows 11,34
